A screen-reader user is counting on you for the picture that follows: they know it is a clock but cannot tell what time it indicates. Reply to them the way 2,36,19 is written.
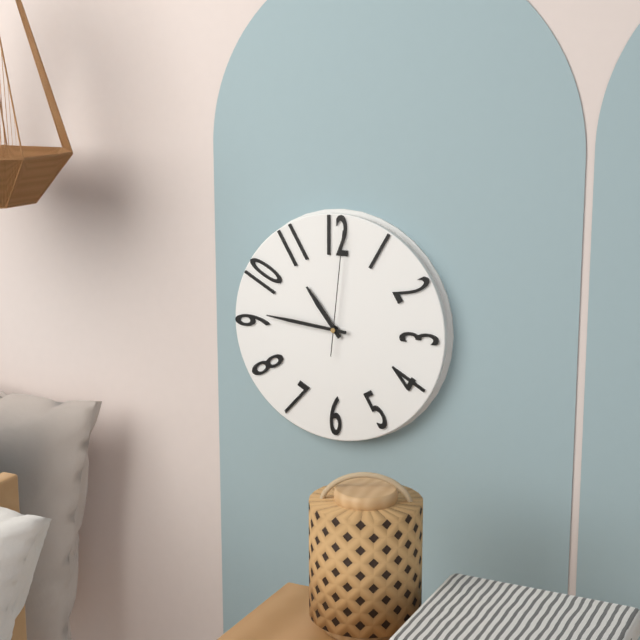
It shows 10,46,01
